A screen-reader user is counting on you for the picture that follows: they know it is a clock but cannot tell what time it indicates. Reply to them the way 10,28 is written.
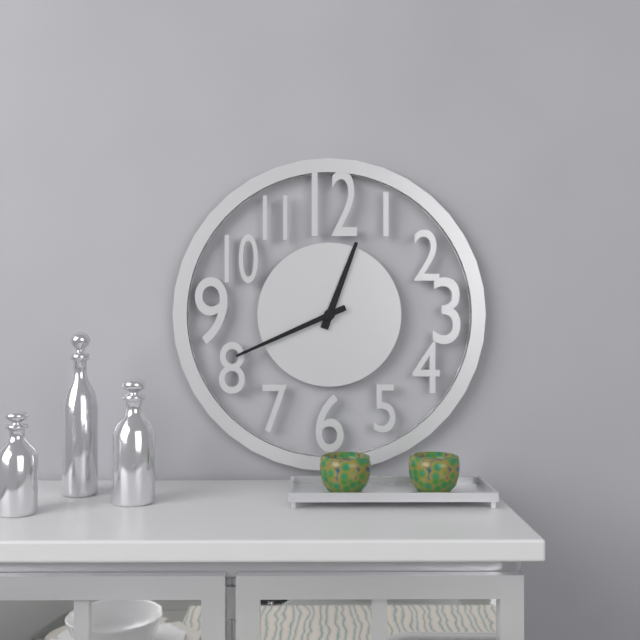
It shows 12,41
